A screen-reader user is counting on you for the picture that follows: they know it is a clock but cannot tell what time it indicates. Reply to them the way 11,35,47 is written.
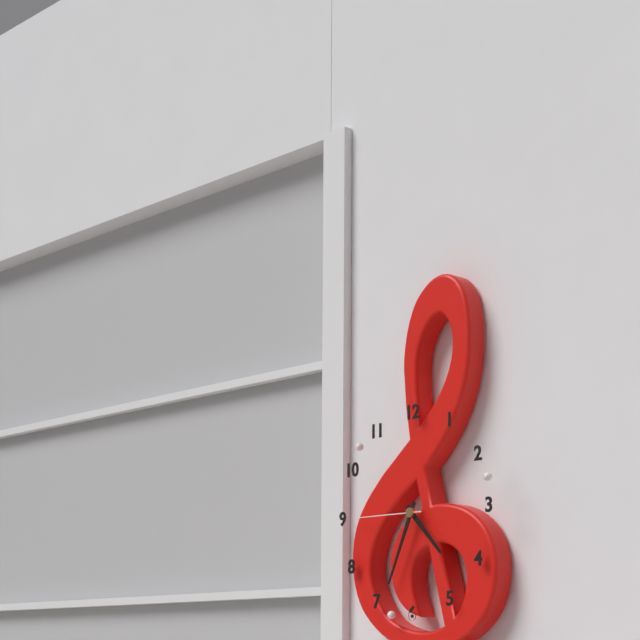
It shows 4,34,45
